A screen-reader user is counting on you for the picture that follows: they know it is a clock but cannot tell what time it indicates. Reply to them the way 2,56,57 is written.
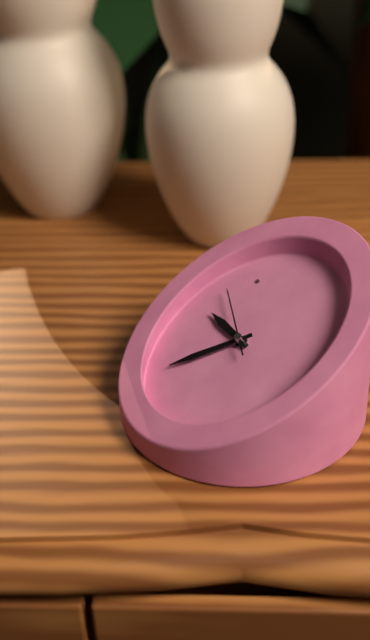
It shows 11,49,03
